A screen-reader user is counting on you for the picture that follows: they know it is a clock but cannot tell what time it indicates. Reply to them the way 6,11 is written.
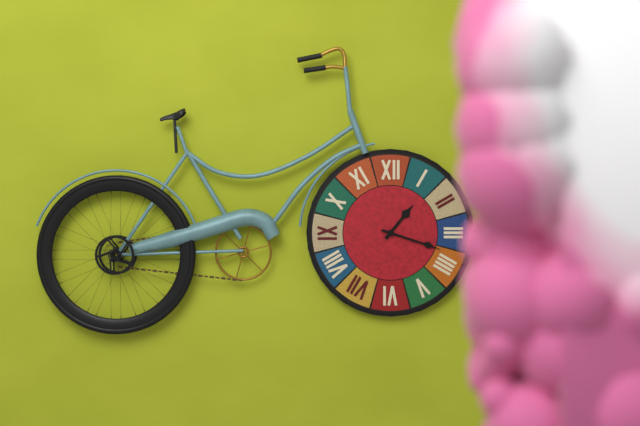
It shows 1,18
